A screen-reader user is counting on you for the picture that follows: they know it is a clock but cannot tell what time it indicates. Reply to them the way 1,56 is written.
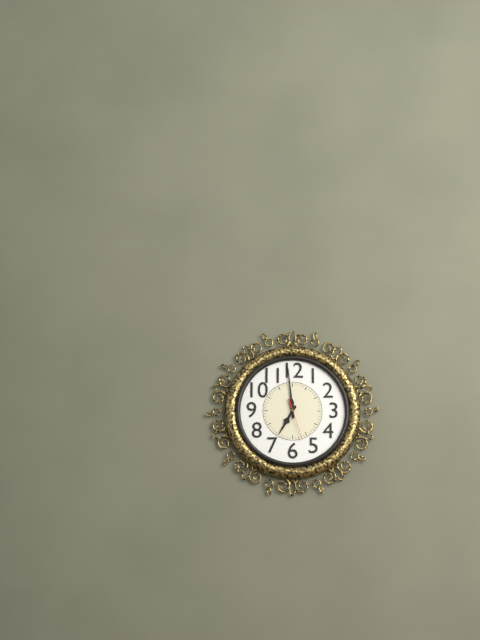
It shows 6,59
